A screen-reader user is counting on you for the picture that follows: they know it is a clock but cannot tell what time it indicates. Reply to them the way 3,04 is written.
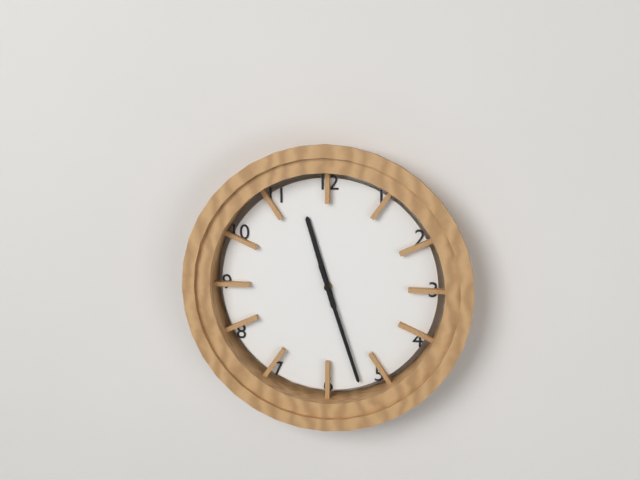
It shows 11,27
